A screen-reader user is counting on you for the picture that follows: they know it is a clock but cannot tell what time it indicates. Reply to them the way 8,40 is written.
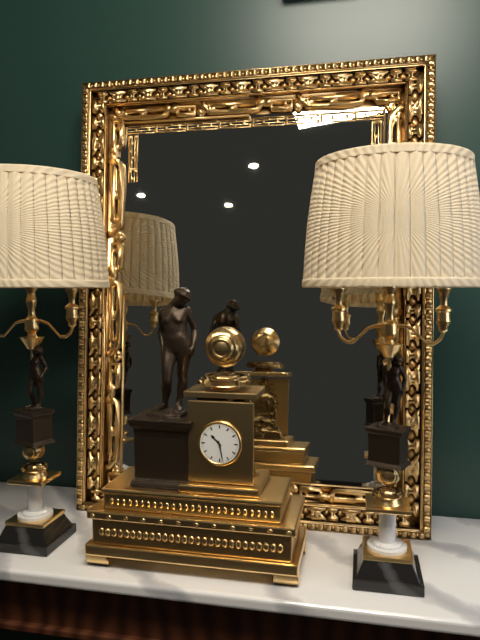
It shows 10,28
